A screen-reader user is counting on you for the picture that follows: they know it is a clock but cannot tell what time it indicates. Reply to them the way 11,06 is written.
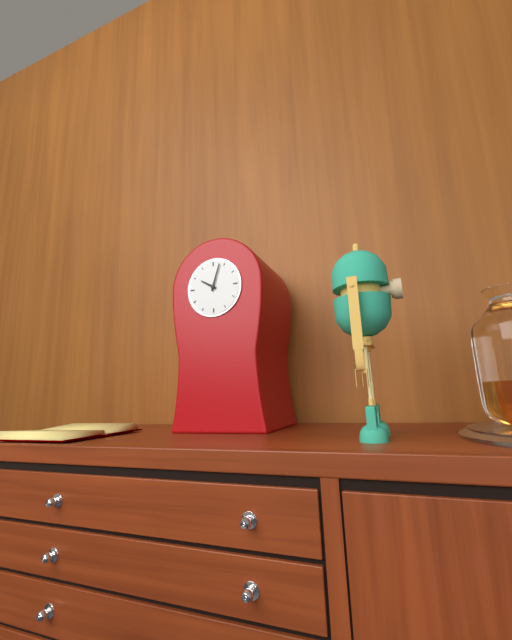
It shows 10,03
